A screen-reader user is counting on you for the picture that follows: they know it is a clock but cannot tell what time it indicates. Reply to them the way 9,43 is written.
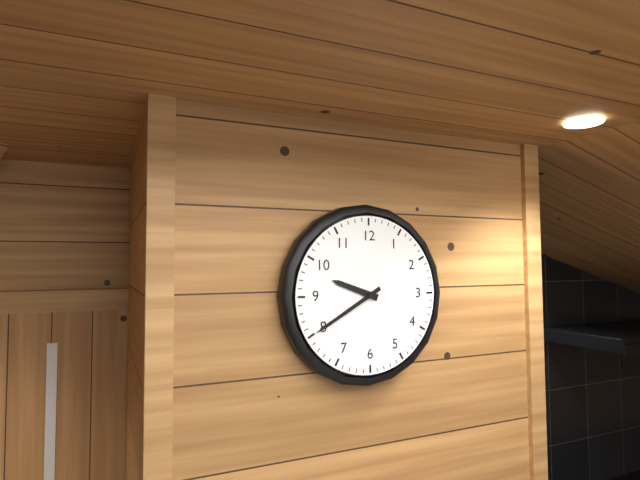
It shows 9,40
